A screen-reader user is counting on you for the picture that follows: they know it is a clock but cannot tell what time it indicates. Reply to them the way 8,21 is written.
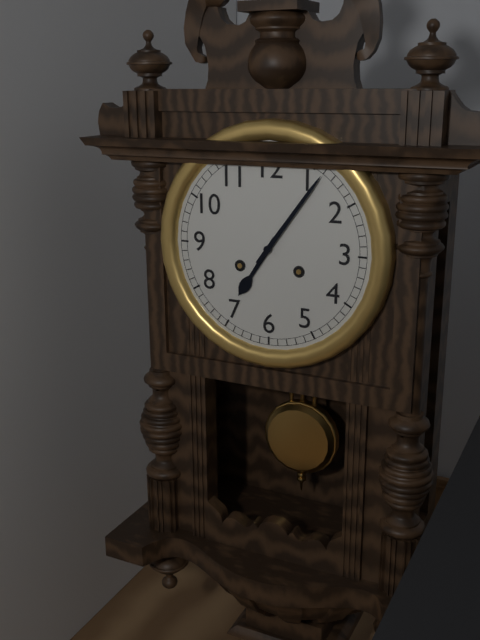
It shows 7,06
